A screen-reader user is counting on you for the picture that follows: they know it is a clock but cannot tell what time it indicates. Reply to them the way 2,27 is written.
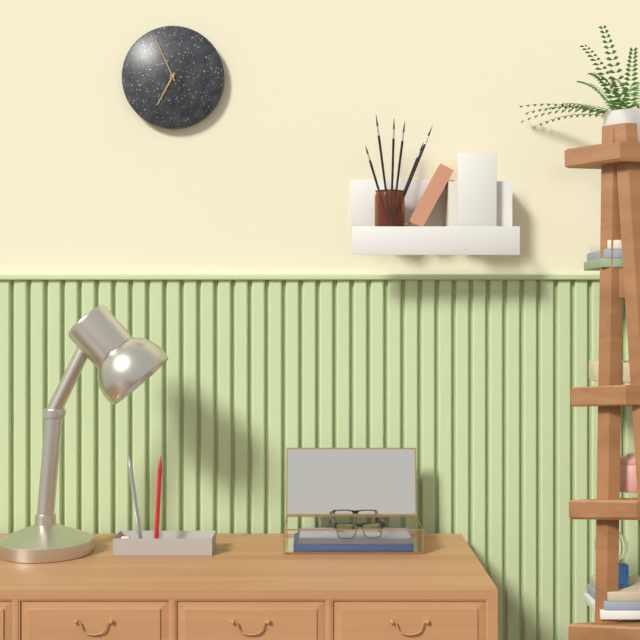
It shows 6,56
